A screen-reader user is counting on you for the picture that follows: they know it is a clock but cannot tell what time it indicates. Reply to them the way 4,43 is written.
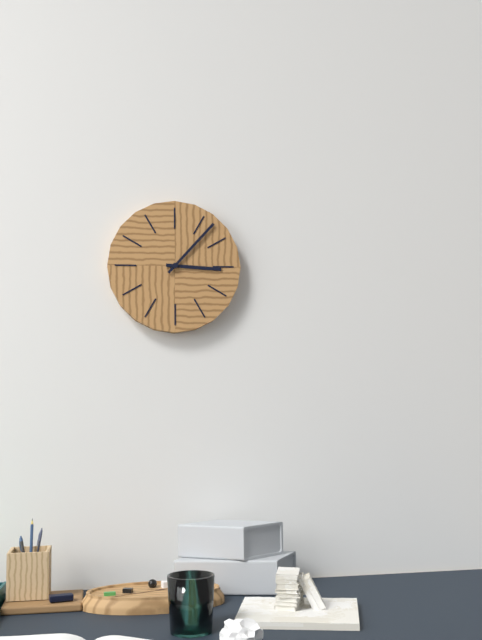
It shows 3,07
